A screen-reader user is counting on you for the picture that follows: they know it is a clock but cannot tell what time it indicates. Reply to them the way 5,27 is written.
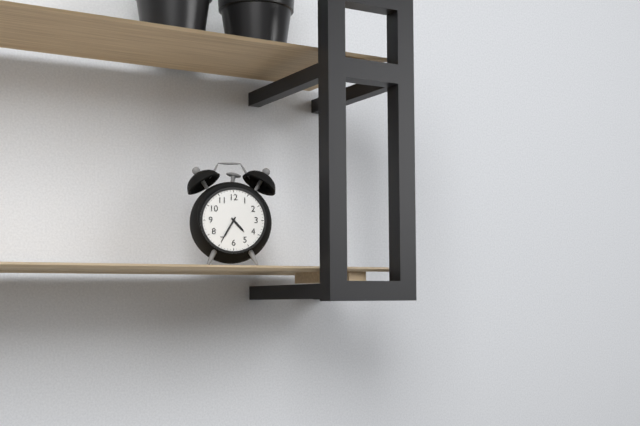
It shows 4,35
